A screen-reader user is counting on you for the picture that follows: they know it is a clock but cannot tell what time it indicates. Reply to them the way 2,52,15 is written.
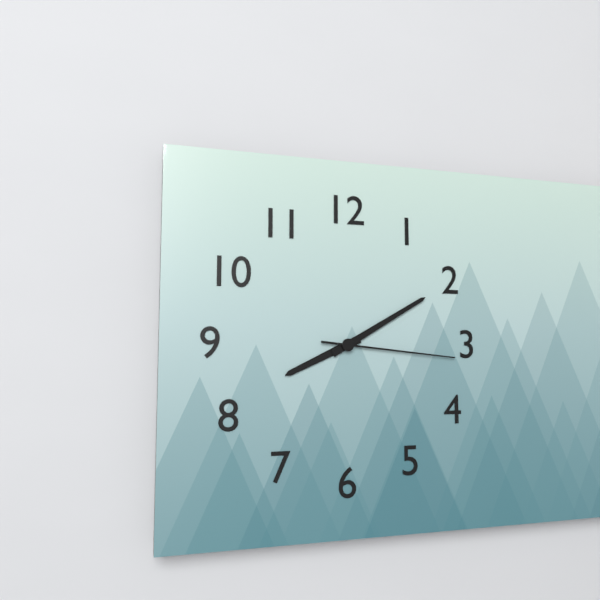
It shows 8,10,16
